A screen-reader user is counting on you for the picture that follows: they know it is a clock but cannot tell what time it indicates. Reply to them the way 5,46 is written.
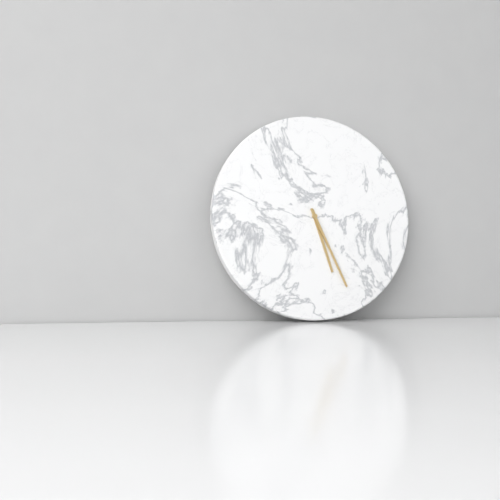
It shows 5,26
